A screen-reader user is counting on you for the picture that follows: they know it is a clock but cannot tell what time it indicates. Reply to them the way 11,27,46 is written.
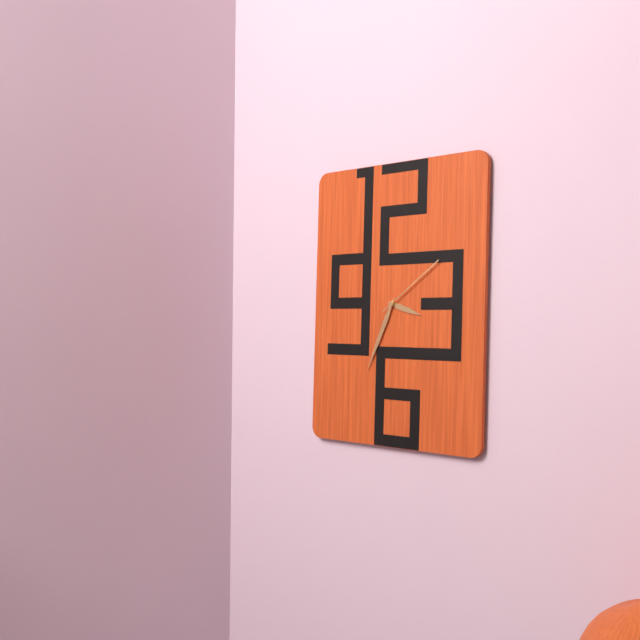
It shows 3,34,09
